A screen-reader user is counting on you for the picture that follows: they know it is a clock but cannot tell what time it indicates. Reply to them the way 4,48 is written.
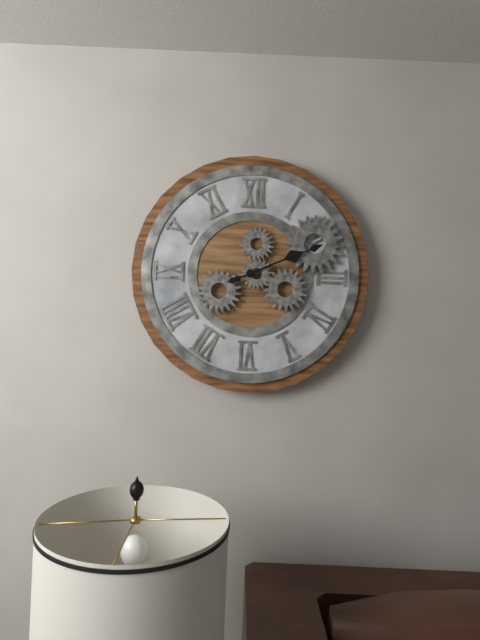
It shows 2,11
